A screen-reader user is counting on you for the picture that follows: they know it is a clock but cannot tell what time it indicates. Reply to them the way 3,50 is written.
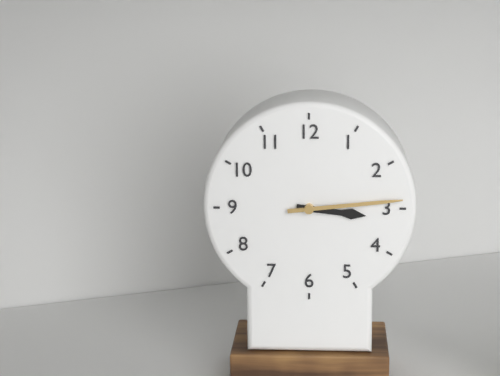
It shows 3,14
